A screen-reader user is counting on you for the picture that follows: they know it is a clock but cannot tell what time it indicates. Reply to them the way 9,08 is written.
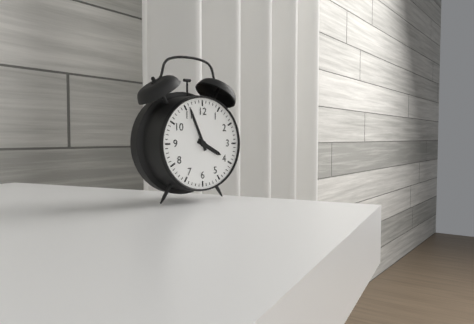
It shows 3,56
